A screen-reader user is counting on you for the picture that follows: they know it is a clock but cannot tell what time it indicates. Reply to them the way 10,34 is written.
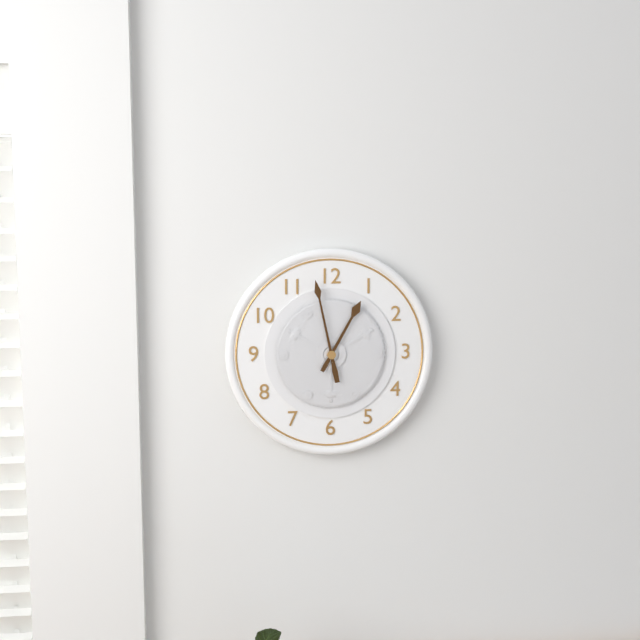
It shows 12,58
